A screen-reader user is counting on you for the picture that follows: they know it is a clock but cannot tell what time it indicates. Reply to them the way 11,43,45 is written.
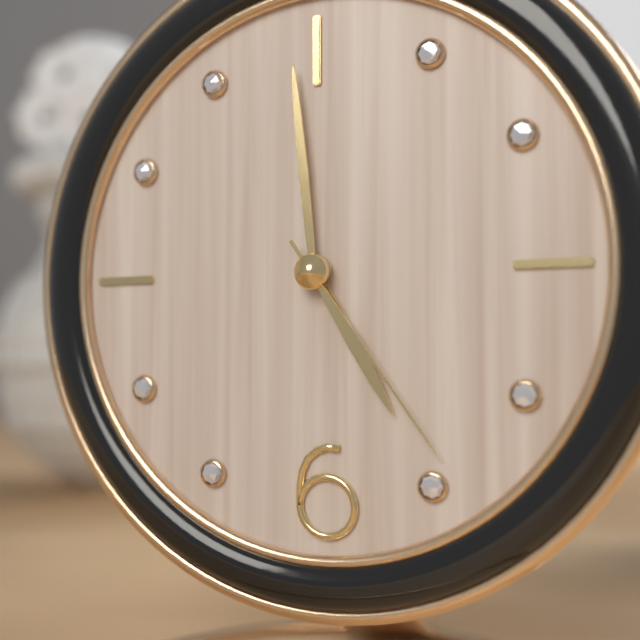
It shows 4,59,24
